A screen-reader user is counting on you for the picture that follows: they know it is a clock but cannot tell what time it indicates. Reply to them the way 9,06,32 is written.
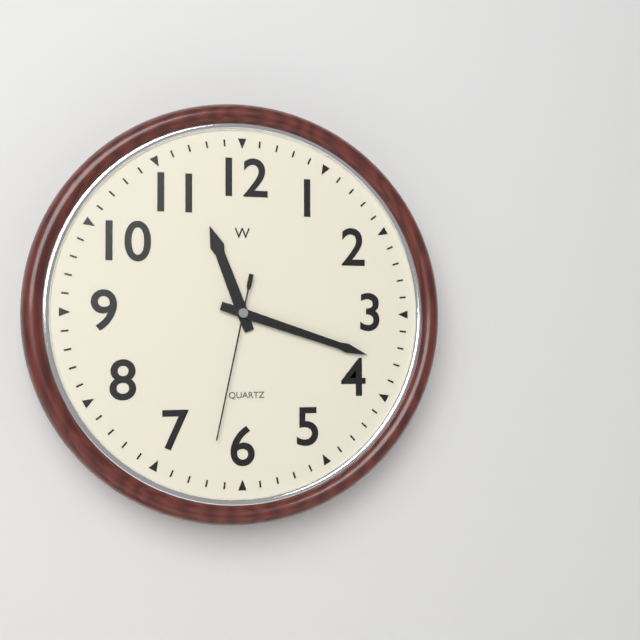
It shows 11,18,32
